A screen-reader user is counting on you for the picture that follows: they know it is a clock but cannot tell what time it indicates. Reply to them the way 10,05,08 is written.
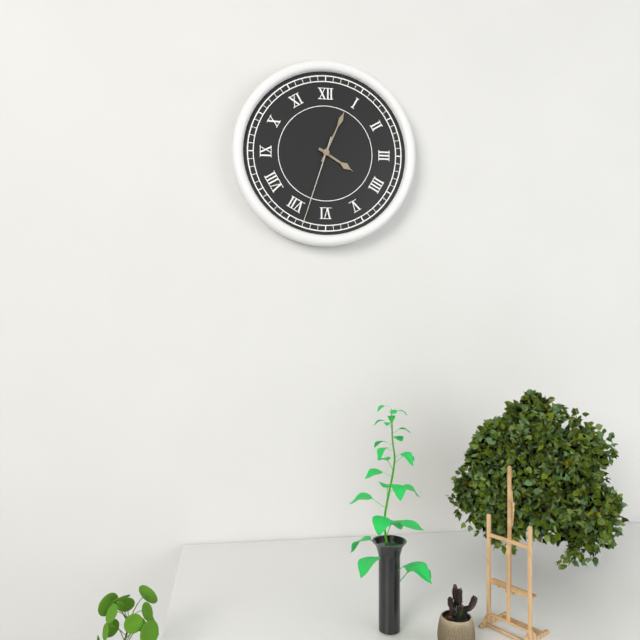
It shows 4,04,33
